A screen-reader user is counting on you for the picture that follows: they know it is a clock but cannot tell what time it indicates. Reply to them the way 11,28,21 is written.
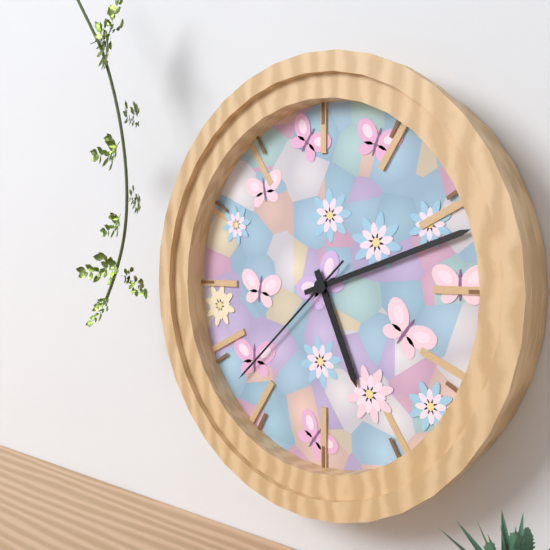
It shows 5,12,38
